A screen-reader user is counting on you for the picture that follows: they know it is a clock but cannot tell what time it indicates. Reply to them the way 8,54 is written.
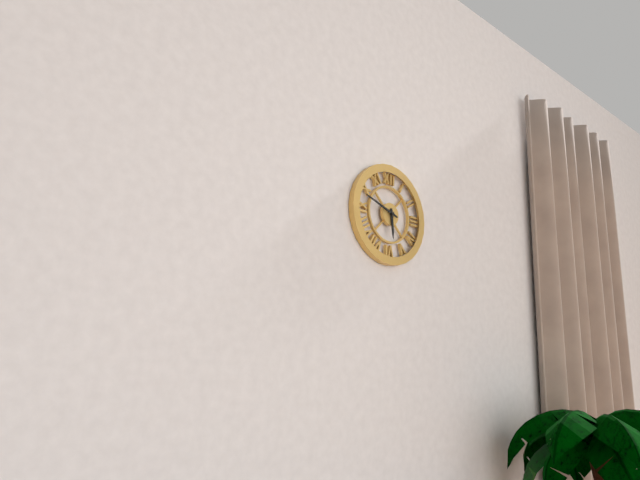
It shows 5,48
